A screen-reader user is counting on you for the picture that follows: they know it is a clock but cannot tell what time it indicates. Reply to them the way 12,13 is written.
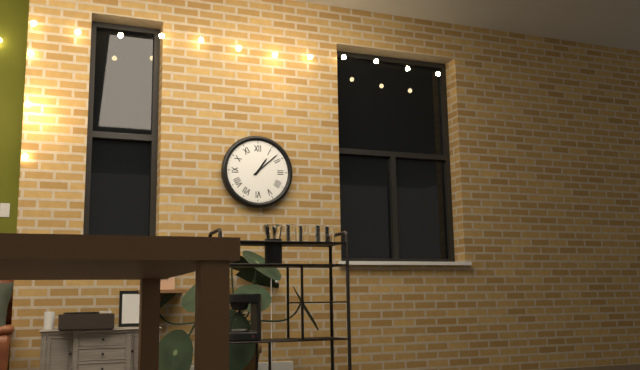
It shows 1,08
